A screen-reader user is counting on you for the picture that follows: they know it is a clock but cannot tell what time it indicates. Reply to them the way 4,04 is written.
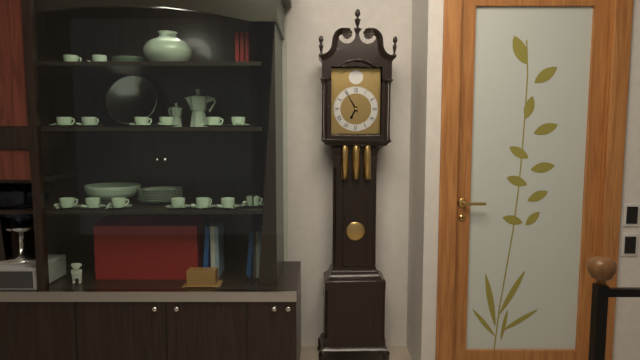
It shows 6,55
